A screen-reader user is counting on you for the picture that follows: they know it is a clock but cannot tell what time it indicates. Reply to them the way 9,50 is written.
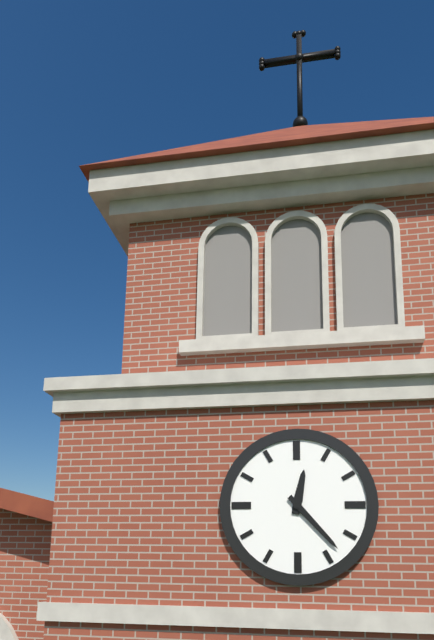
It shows 12,23
